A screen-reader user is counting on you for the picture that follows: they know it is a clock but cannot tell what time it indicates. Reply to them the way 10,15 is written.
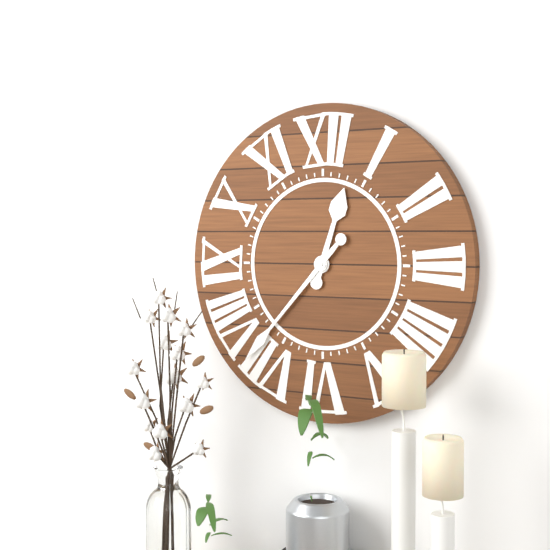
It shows 12,37
